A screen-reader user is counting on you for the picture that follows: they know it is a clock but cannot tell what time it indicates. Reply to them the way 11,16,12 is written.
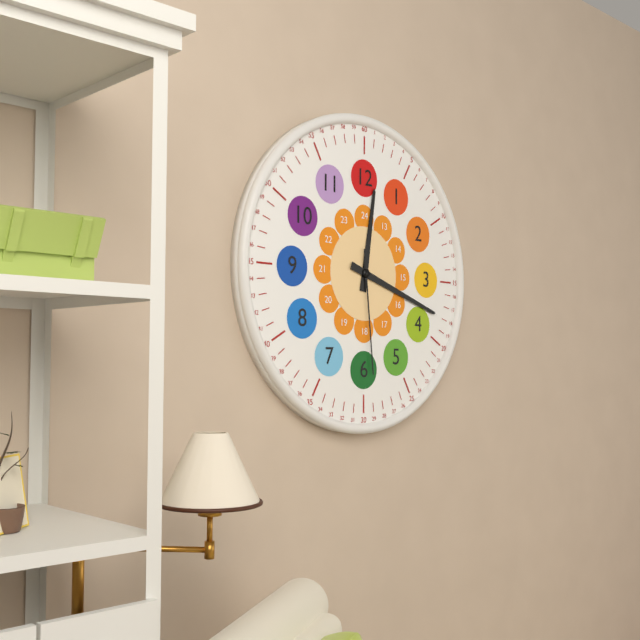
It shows 12,18,29
